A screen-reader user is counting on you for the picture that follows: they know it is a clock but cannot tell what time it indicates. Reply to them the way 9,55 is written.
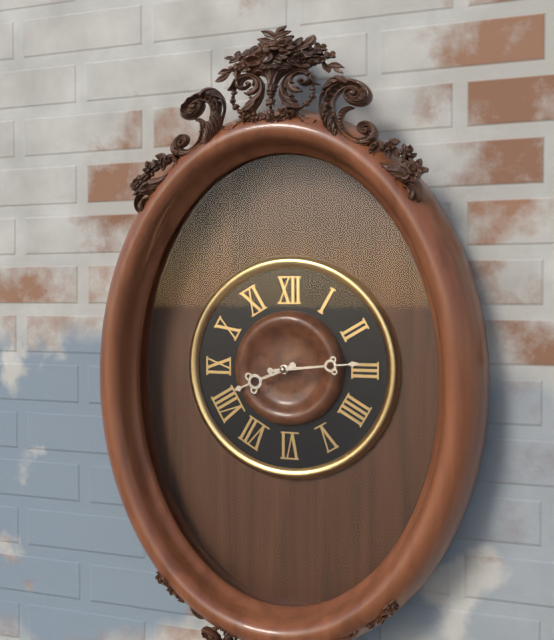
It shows 8,14
